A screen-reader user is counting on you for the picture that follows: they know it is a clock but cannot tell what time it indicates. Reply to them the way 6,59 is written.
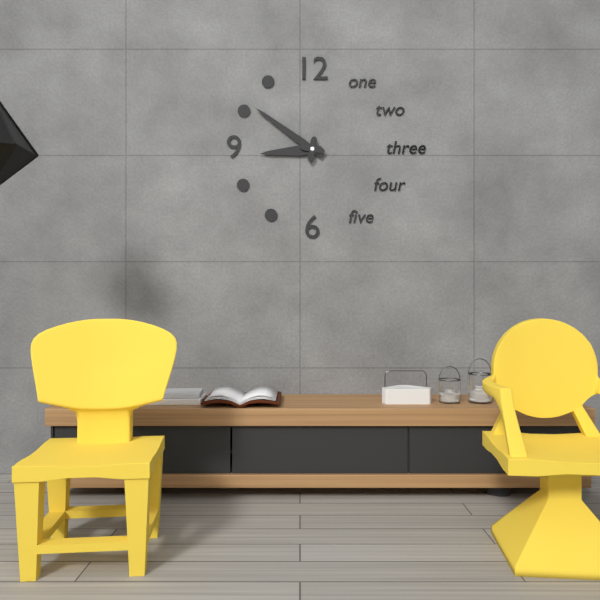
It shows 8,51
